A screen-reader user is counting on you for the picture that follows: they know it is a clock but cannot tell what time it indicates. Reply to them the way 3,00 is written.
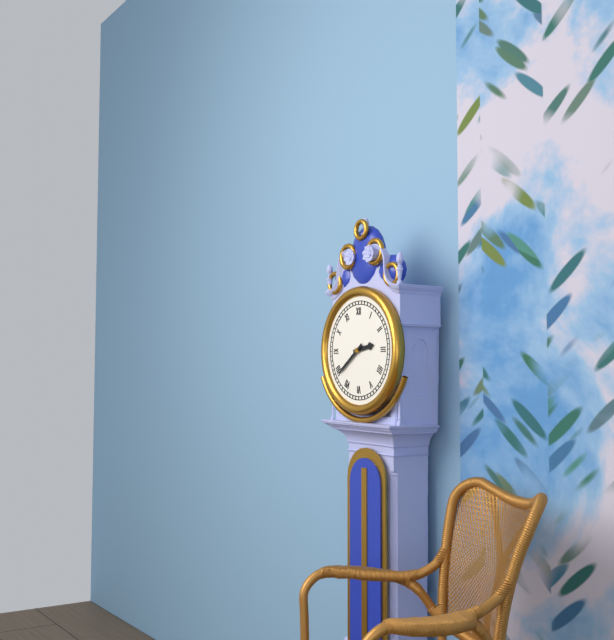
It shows 2,39
